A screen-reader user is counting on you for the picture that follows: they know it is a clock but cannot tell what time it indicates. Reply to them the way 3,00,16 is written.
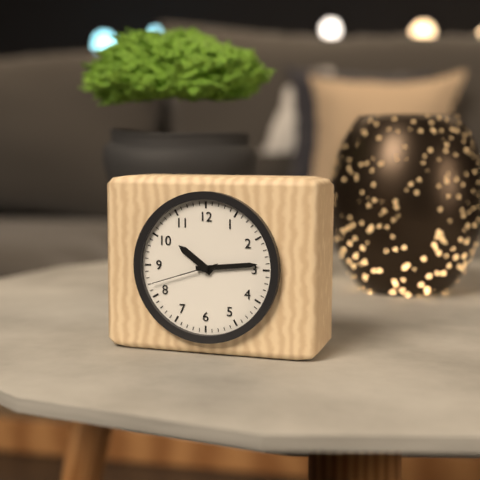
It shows 10,14,42
